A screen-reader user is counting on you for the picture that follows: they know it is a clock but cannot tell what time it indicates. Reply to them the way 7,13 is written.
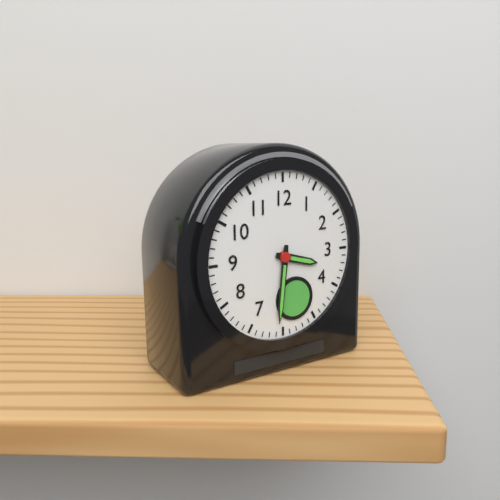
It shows 3,31
